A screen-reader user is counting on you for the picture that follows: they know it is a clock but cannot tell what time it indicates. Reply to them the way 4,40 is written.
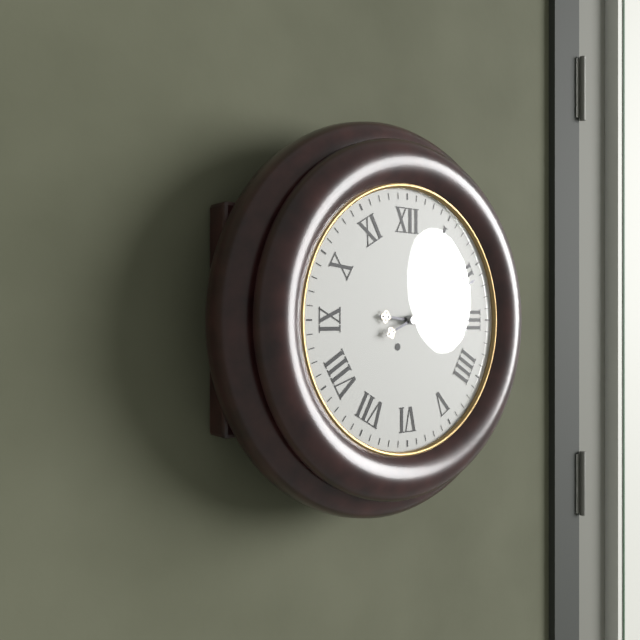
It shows 3,11
